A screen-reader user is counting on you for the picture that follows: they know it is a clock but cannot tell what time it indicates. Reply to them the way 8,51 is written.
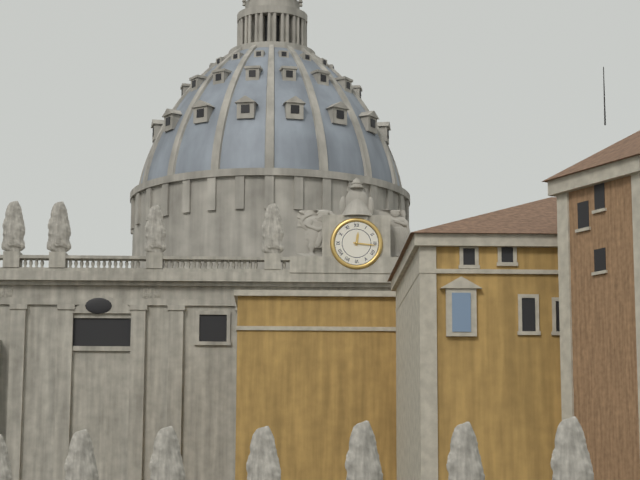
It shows 12,16
